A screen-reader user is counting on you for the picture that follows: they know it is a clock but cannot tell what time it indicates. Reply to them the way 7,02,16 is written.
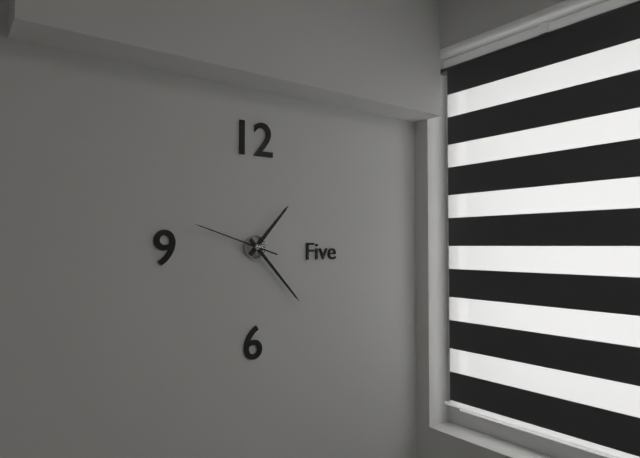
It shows 1,23,48
